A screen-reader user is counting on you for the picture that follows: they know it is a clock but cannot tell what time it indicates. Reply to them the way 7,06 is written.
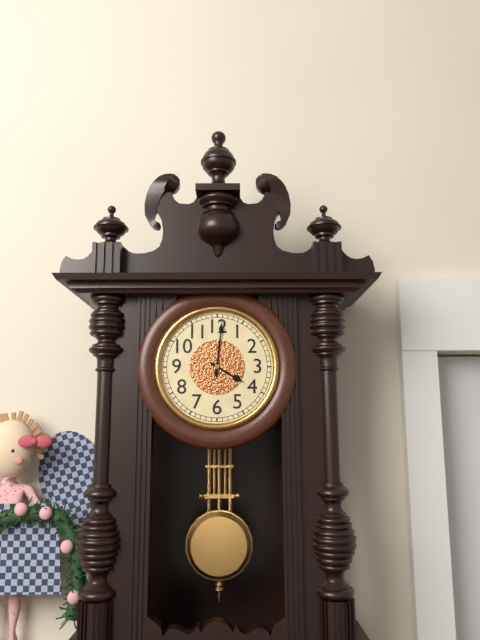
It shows 4,01
